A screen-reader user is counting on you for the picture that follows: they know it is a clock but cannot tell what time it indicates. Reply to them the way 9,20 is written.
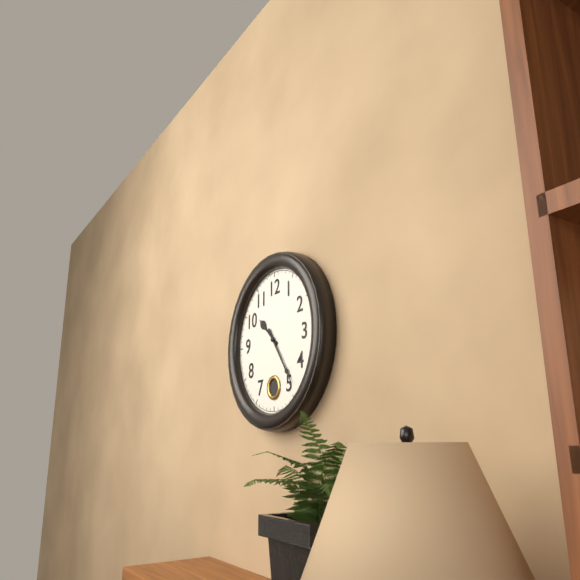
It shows 10,24
